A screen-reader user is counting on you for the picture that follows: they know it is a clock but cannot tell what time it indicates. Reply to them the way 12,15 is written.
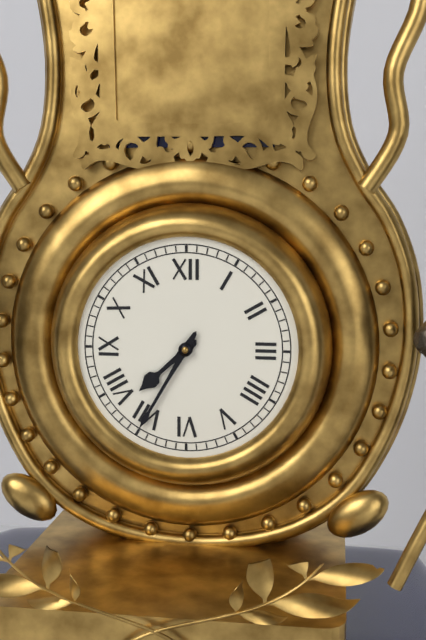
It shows 7,35
